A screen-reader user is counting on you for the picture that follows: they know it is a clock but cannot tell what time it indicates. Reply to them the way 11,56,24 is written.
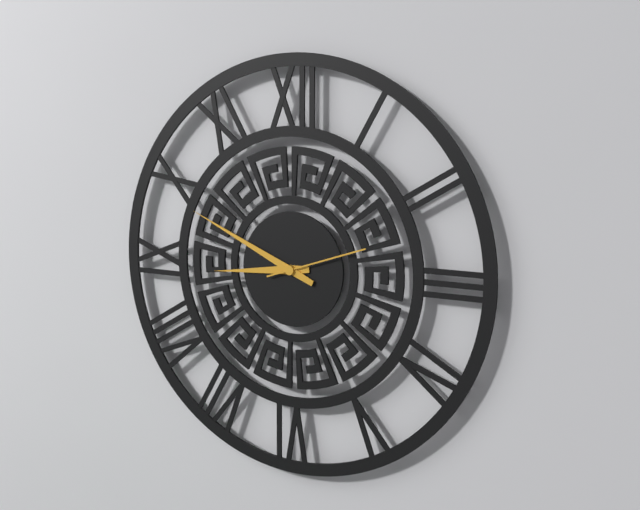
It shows 8,49,12
